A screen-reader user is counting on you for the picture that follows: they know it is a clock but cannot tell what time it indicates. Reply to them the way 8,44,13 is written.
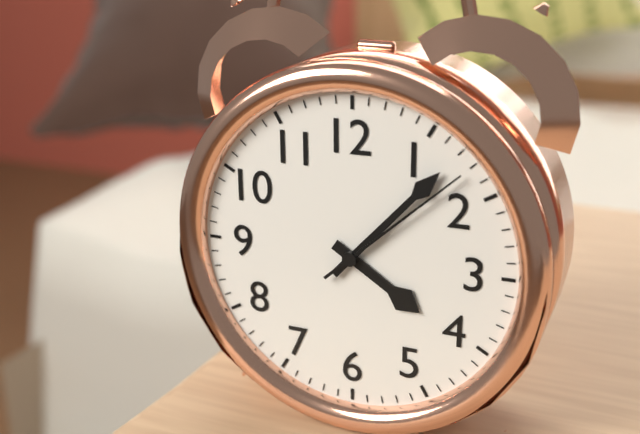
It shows 4,07,08
